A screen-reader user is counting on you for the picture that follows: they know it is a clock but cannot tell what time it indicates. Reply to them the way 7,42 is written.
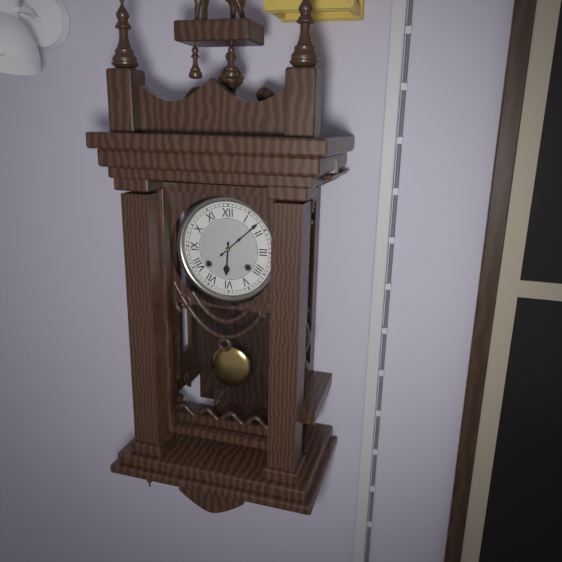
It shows 6,08
